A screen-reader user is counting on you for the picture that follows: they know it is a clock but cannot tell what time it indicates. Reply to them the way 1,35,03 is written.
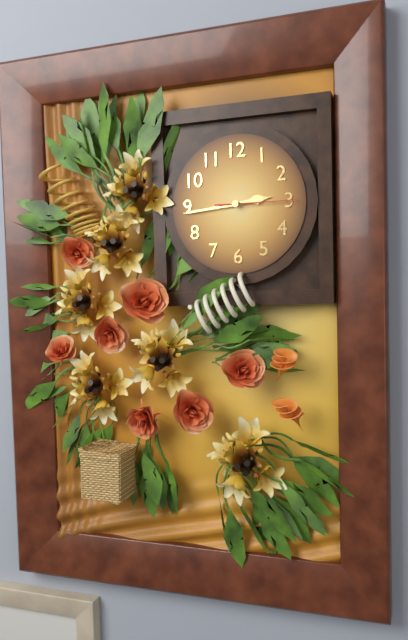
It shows 2,44,15
